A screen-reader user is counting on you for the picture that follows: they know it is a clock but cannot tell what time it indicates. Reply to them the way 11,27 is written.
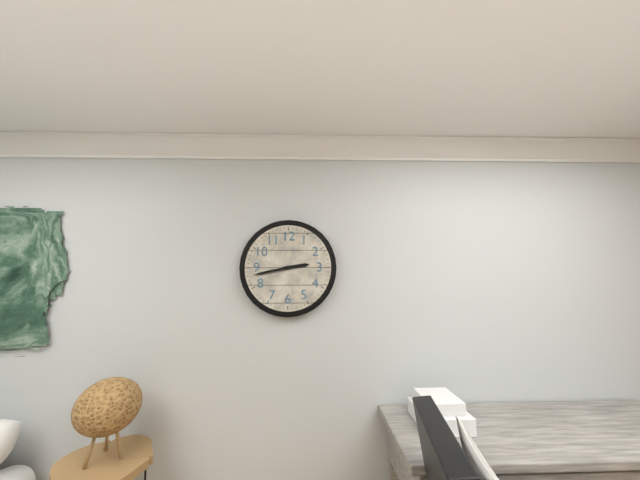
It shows 2,43
